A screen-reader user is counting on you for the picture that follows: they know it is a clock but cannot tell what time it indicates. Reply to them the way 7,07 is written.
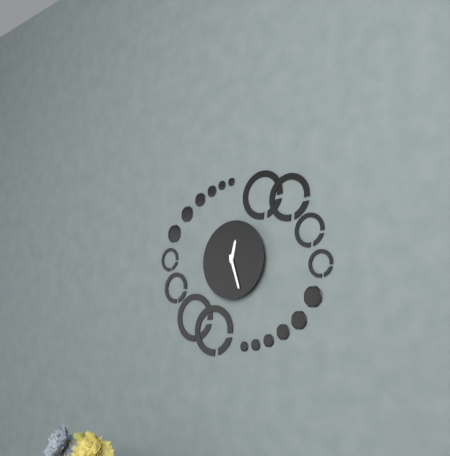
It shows 12,27
